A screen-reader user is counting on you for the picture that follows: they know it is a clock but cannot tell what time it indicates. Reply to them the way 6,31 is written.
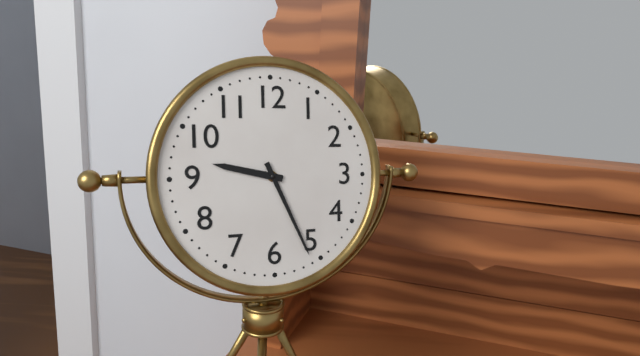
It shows 9,26
